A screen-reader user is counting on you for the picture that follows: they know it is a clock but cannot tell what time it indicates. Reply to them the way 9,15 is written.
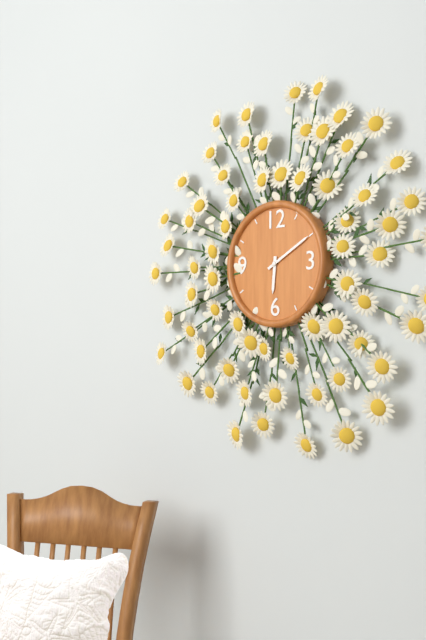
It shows 6,10
